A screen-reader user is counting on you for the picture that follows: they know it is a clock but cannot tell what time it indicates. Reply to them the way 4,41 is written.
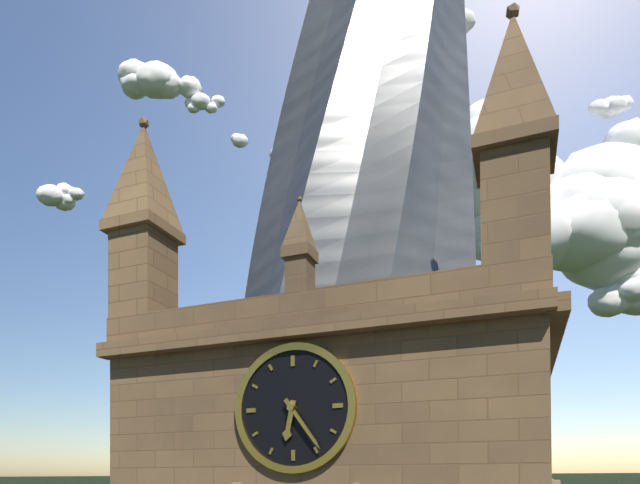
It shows 6,24
